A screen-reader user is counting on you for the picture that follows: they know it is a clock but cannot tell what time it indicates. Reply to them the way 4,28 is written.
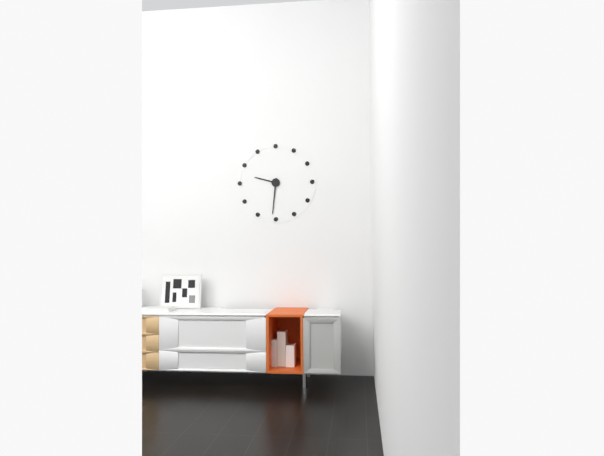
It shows 9,31
